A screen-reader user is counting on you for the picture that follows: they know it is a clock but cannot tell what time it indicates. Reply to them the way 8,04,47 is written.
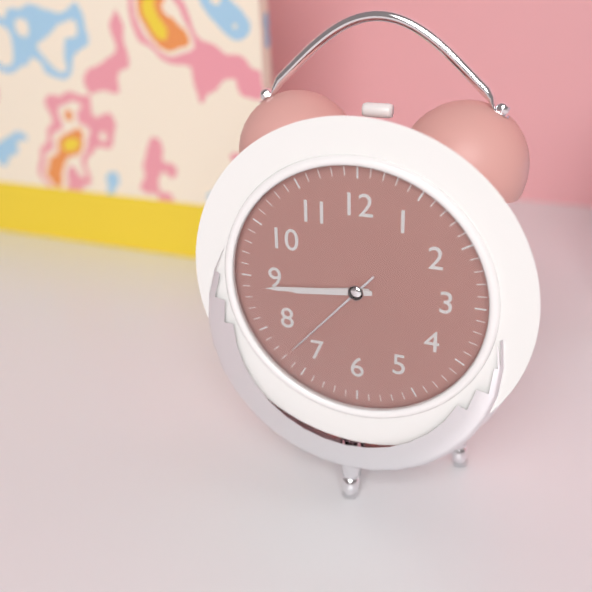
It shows 8,44,37
